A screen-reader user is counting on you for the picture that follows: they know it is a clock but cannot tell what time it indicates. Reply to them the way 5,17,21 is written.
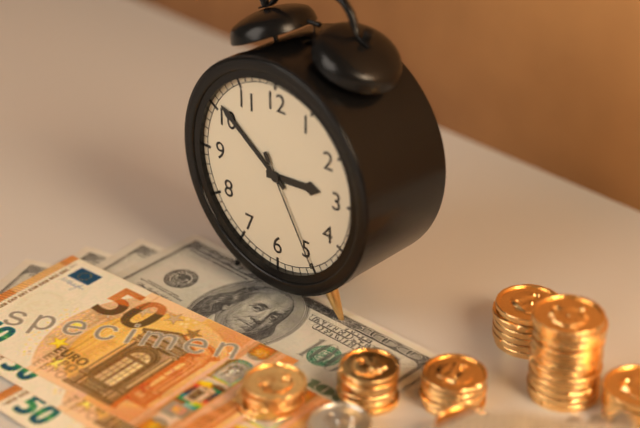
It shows 2,51,25
